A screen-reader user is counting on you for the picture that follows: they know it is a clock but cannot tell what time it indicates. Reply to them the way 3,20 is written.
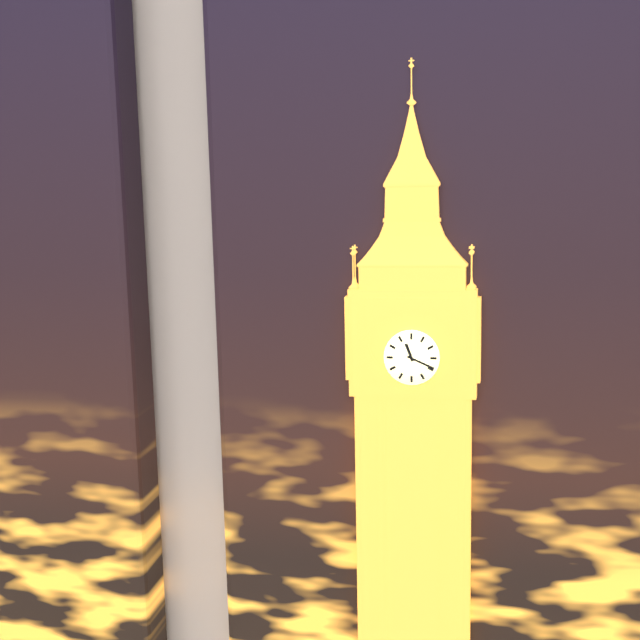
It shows 11,19
